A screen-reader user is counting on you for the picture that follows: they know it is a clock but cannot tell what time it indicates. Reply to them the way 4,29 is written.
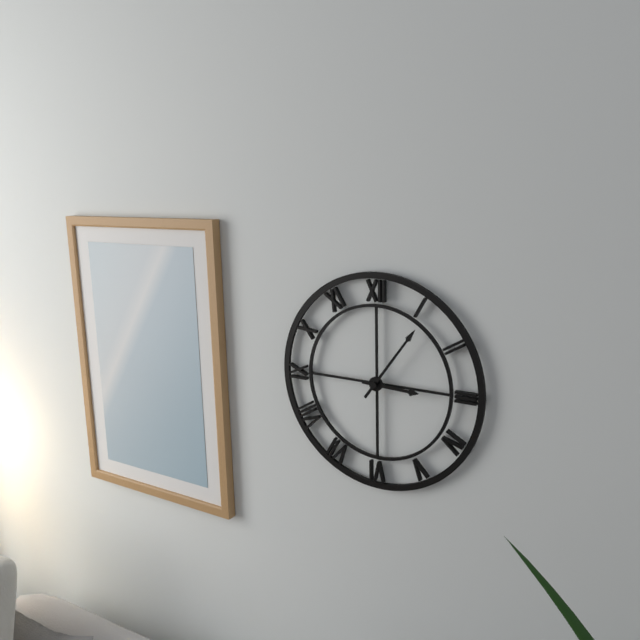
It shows 3,06
